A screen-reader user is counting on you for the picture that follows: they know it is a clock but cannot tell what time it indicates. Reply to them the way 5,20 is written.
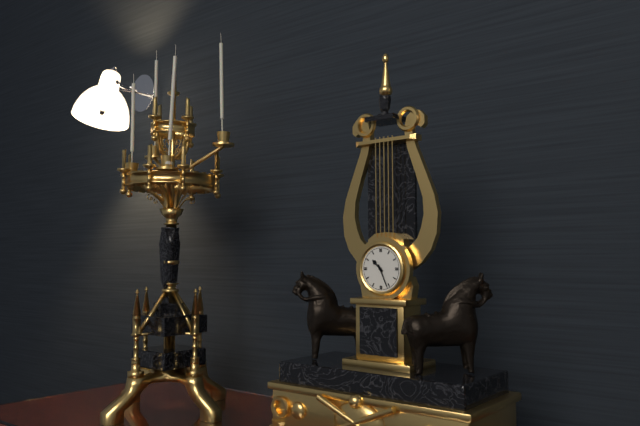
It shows 10,26
